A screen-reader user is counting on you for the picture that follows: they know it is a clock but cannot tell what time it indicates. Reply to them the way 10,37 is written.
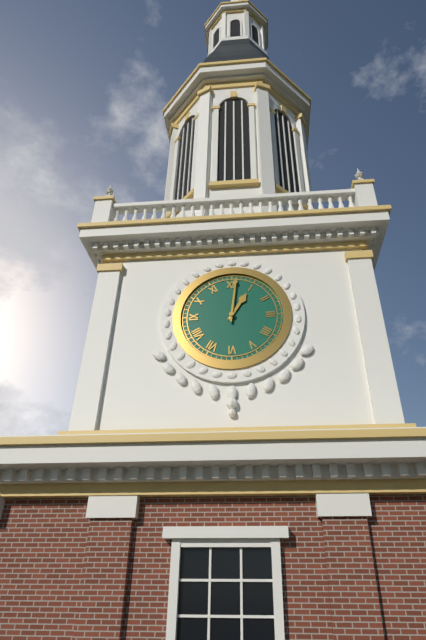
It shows 1,01
